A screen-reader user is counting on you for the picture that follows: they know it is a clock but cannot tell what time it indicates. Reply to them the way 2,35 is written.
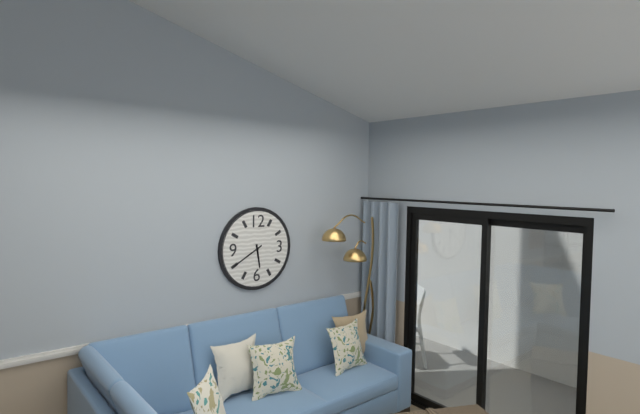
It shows 5,40
